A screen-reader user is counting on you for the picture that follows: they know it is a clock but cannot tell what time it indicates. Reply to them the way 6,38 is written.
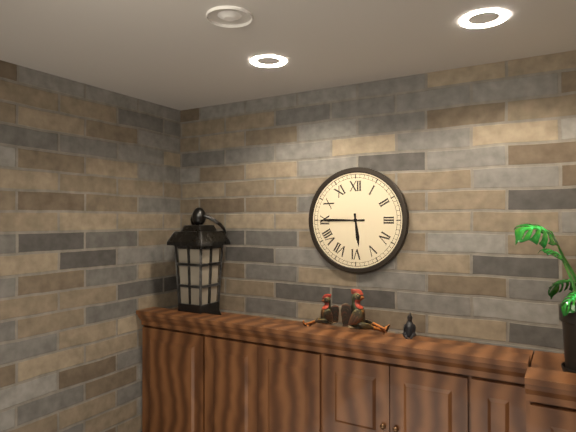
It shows 5,45
